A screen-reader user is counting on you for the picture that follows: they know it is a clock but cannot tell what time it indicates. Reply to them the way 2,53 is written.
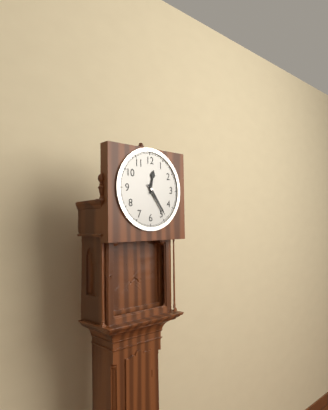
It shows 12,24
